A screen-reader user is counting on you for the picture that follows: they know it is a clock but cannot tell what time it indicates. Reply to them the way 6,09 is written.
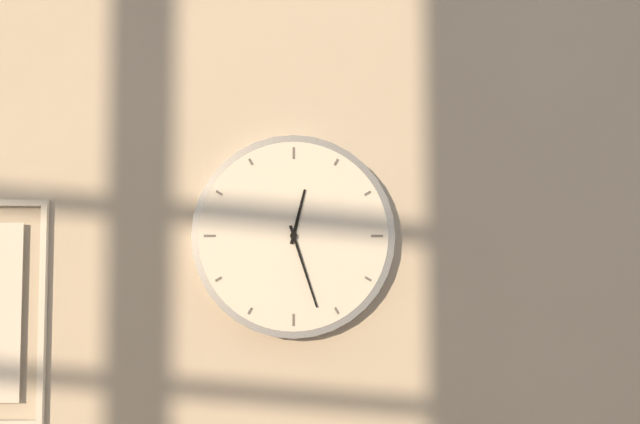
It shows 12,27
